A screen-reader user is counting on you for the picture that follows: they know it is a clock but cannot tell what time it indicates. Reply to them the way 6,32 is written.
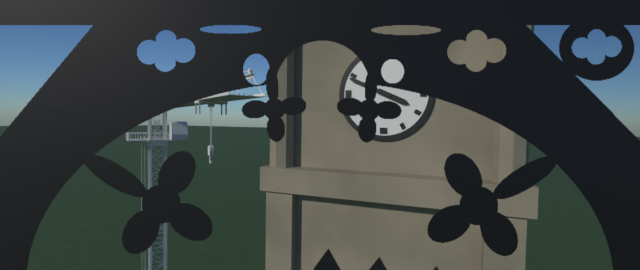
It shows 3,49
